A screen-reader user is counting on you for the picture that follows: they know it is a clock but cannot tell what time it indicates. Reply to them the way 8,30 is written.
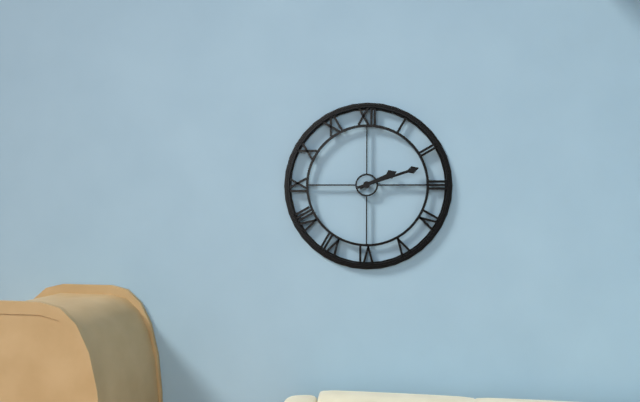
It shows 2,12
